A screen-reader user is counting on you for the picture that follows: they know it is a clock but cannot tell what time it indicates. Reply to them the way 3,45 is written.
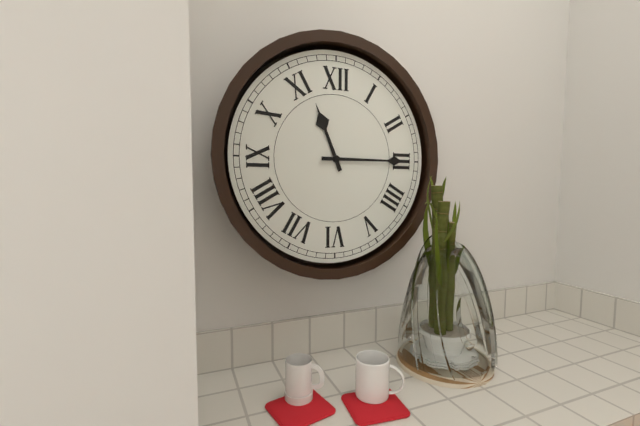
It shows 11,15
